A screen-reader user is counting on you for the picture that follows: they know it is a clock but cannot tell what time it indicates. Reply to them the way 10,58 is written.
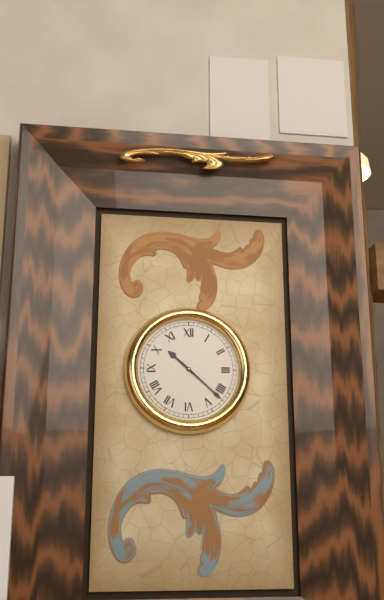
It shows 10,22
